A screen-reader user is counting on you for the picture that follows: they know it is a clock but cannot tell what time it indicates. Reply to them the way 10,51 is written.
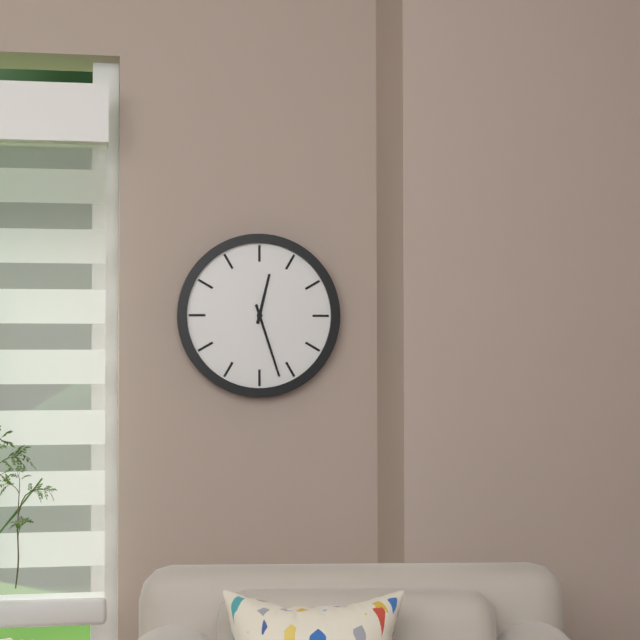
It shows 12,27
